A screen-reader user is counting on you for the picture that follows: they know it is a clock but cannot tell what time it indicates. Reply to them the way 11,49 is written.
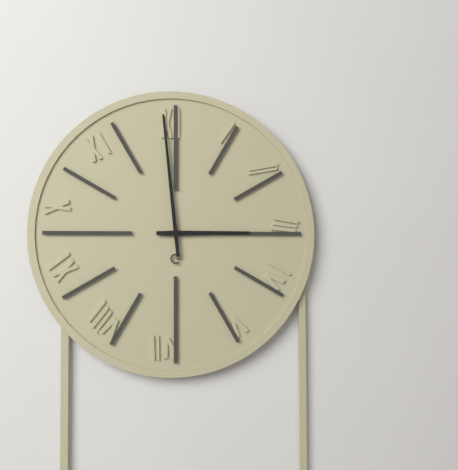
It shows 2,59
